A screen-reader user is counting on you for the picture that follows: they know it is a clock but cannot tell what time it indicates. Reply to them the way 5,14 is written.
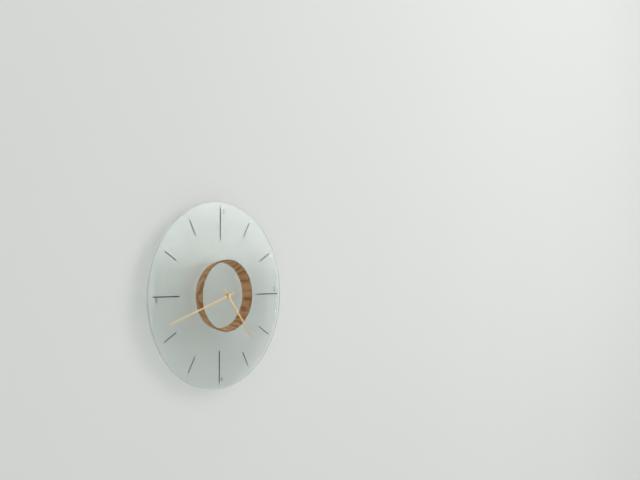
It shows 4,42
